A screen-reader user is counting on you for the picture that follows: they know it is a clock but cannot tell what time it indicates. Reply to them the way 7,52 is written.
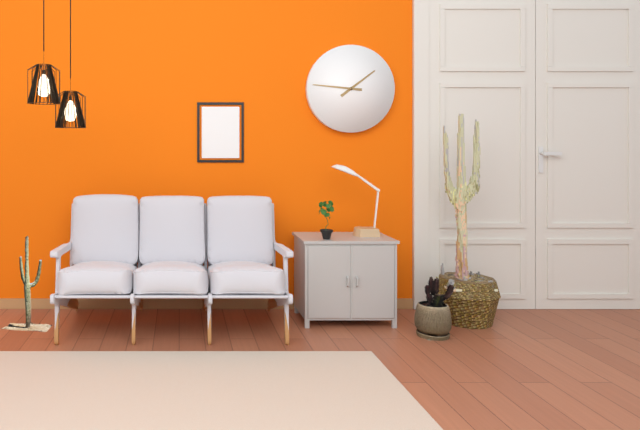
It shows 1,46
